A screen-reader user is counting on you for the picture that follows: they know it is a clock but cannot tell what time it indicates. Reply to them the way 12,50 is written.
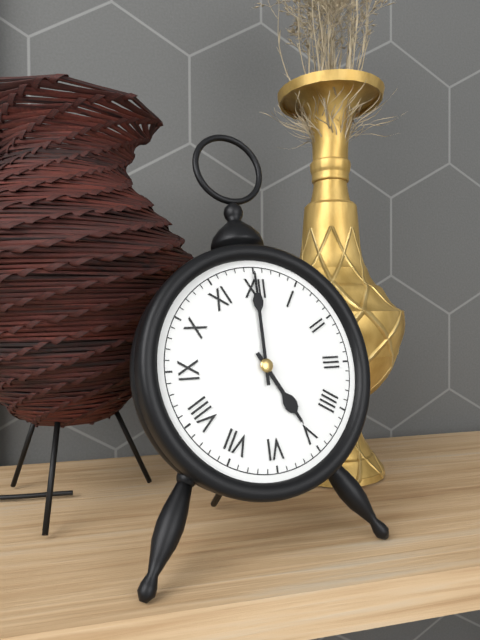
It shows 5,00
